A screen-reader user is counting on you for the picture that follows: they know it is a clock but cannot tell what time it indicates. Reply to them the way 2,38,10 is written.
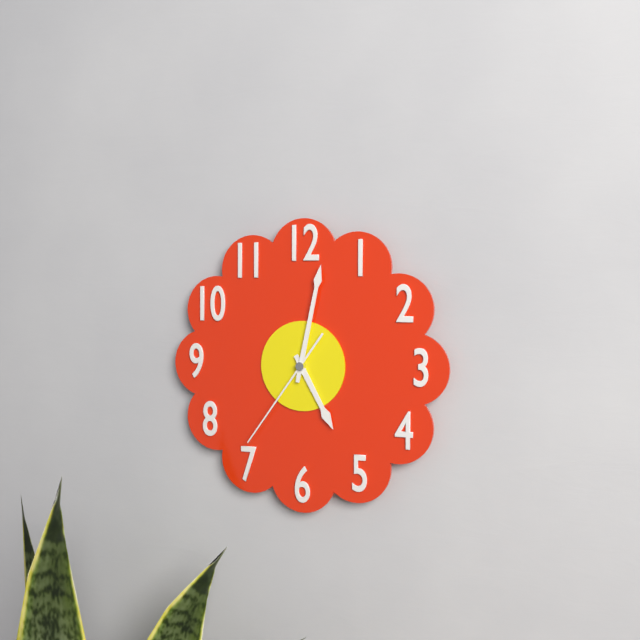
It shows 5,02,36
